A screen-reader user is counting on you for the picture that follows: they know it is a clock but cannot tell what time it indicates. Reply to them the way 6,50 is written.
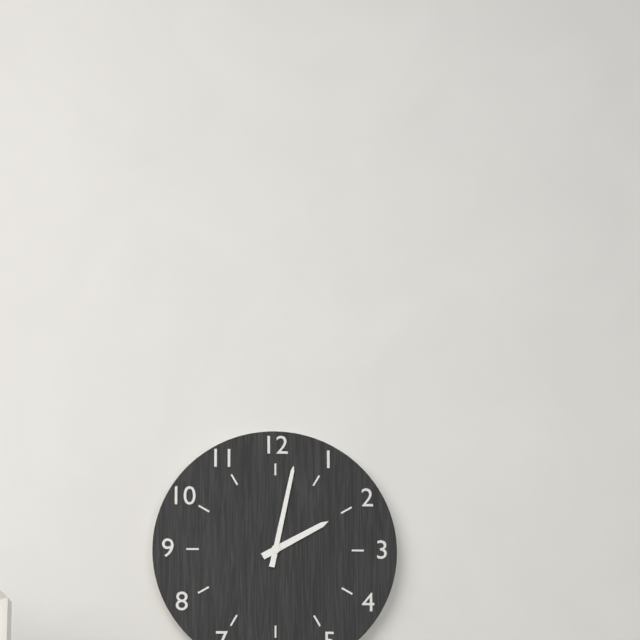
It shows 2,02
